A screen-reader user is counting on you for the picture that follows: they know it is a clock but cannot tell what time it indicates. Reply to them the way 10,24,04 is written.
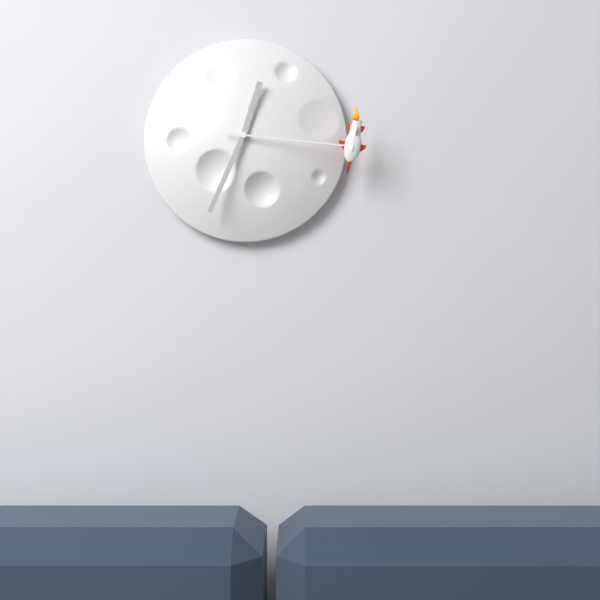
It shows 12,34,16
